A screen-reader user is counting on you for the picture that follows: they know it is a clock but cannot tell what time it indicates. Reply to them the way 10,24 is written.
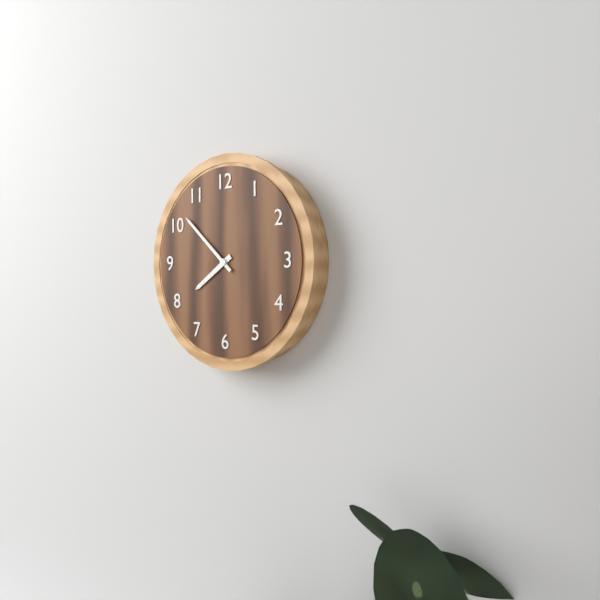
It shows 7,52
